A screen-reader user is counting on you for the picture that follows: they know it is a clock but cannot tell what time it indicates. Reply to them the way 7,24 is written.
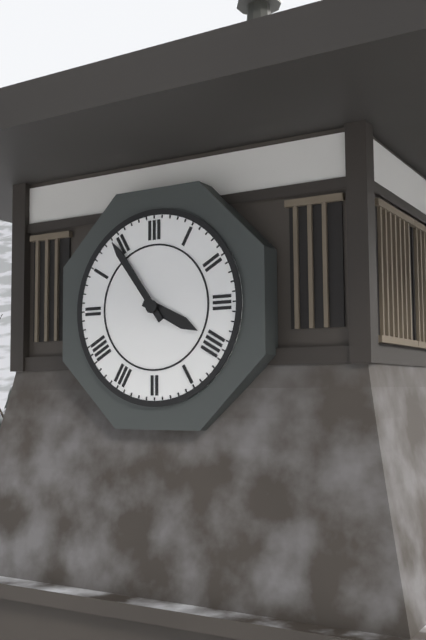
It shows 3,54
